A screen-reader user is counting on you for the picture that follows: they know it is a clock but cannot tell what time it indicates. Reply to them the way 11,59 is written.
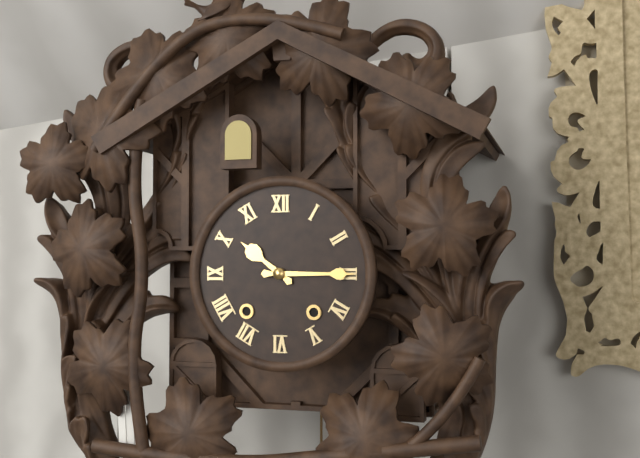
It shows 10,15
